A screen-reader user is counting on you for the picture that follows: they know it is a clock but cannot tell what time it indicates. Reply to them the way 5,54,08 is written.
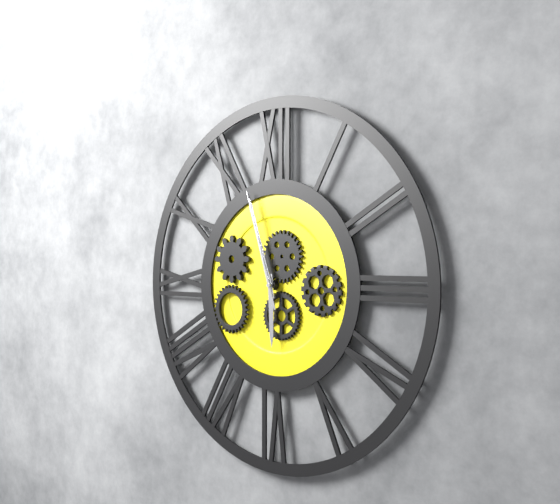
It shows 5,57,57
